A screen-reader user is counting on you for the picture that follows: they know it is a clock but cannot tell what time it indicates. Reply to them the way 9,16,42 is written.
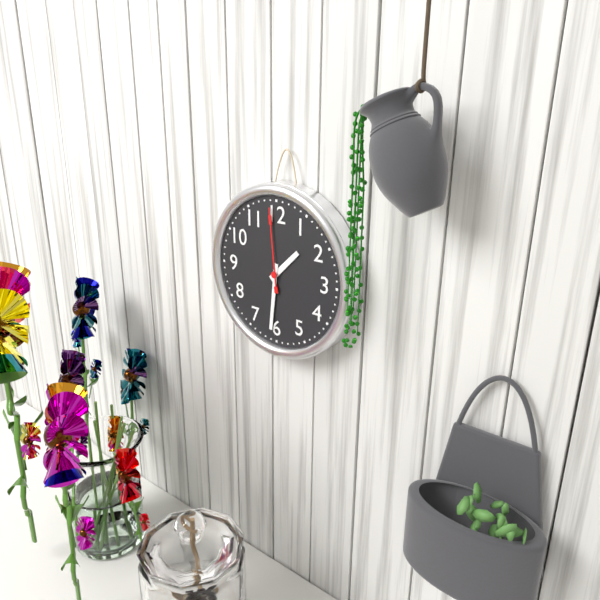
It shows 1,31,59
